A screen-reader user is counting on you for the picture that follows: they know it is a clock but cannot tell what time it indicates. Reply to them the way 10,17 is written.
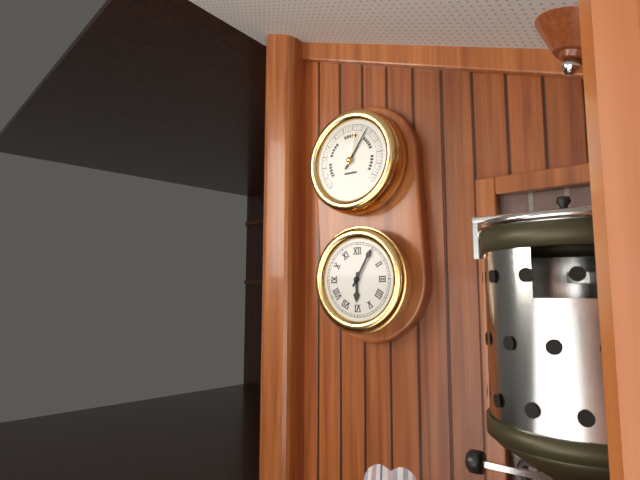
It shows 6,05
